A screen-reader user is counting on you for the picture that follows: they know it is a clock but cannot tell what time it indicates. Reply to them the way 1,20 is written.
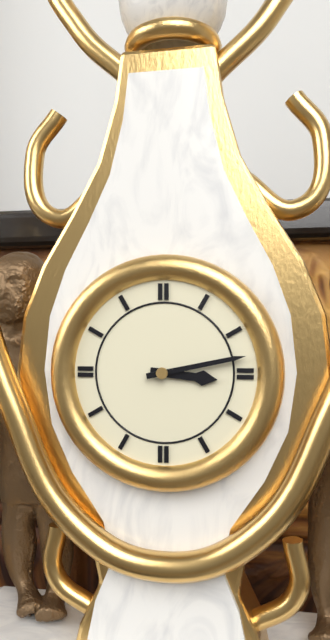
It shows 3,13
